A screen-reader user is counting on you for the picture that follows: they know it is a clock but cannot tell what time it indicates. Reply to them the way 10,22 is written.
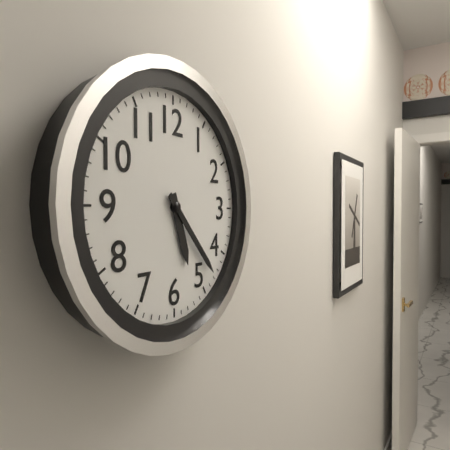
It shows 5,23
